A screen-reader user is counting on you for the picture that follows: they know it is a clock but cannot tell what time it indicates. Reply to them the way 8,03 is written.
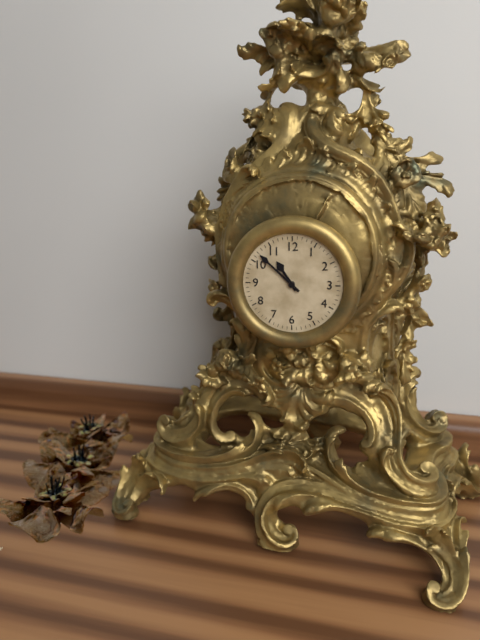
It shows 10,52
